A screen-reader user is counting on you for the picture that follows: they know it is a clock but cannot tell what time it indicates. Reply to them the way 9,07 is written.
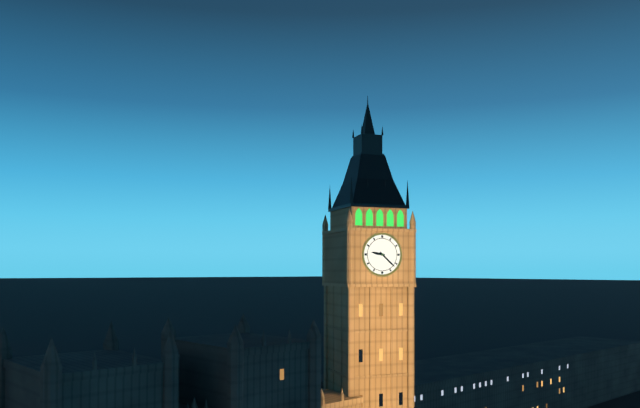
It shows 9,22
